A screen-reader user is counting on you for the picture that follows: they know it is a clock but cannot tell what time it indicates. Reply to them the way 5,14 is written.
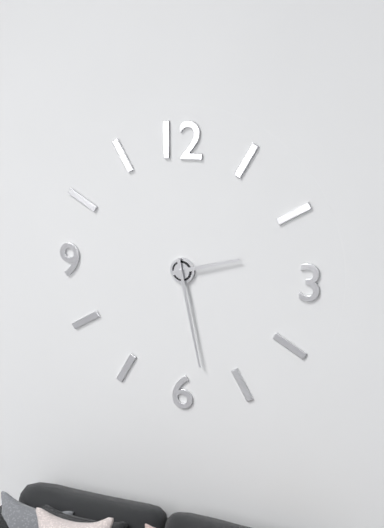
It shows 2,28
